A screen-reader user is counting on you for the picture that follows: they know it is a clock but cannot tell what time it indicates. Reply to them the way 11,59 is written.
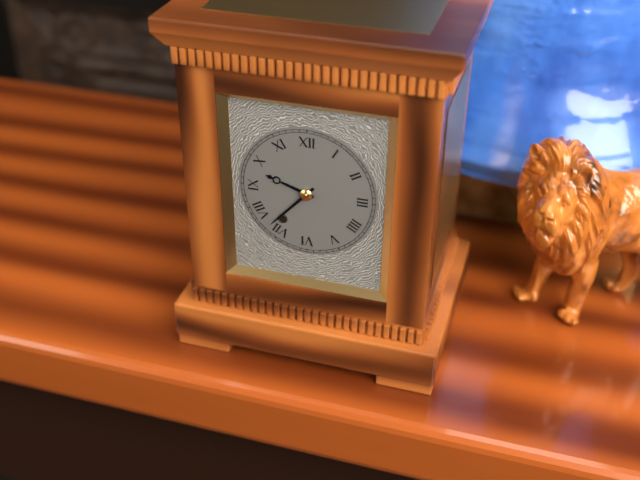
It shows 9,37
